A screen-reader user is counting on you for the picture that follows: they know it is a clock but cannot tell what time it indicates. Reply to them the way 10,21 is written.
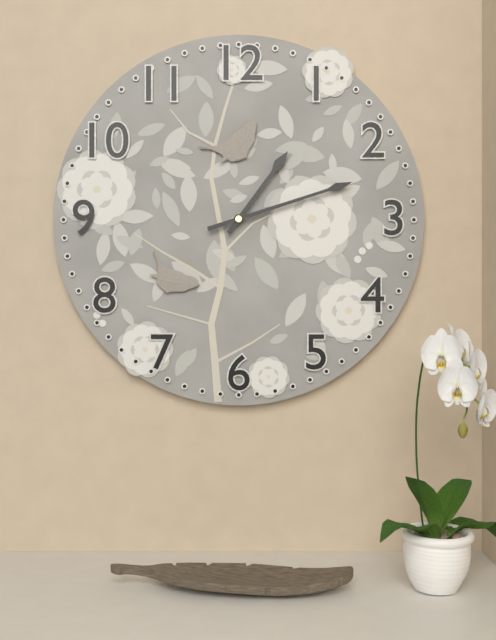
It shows 1,12
